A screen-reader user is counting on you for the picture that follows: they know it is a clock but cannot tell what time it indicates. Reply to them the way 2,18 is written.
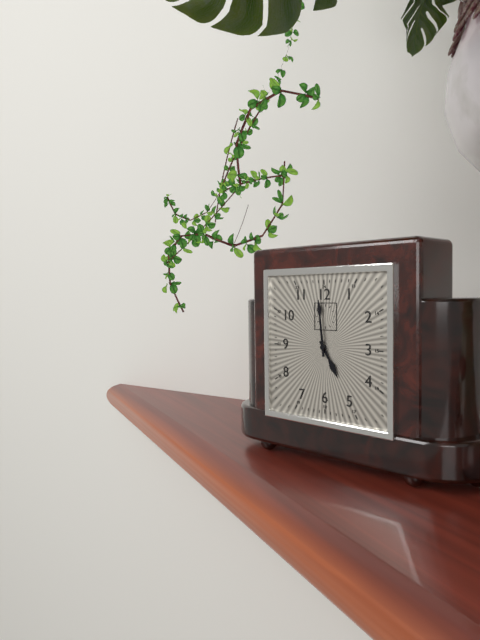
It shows 4,59
